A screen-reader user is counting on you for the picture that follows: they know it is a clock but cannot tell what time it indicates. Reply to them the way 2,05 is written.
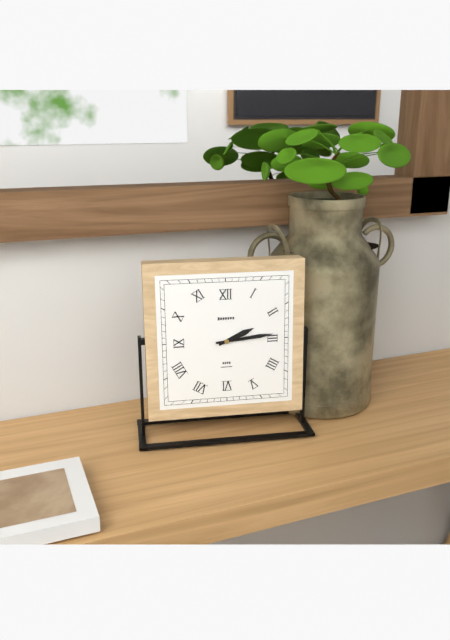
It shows 2,14
